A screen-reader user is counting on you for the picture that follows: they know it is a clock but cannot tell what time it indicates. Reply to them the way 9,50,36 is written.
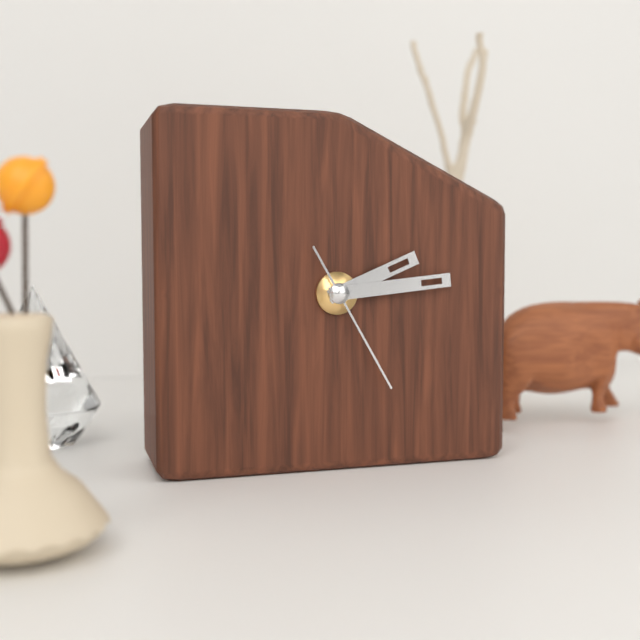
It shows 2,14,25
